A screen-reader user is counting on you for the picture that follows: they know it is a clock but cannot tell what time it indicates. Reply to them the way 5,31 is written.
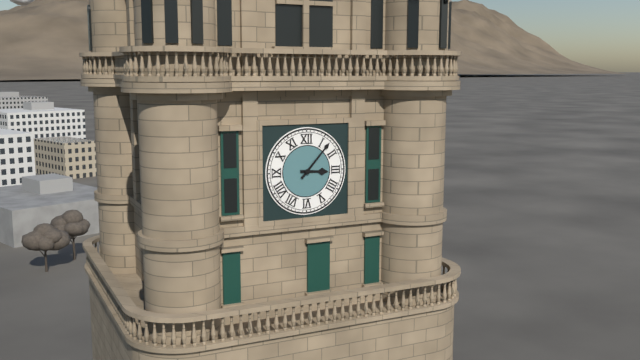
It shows 3,07
